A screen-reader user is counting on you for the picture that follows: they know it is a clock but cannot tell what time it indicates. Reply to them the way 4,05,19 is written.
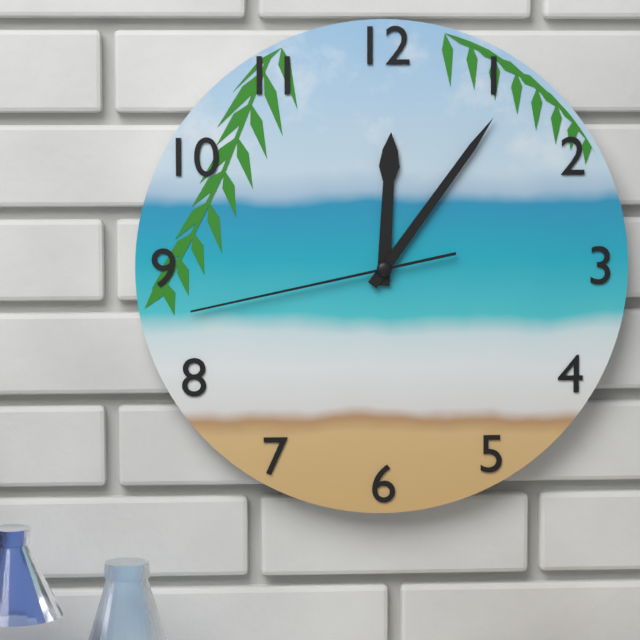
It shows 12,06,43
